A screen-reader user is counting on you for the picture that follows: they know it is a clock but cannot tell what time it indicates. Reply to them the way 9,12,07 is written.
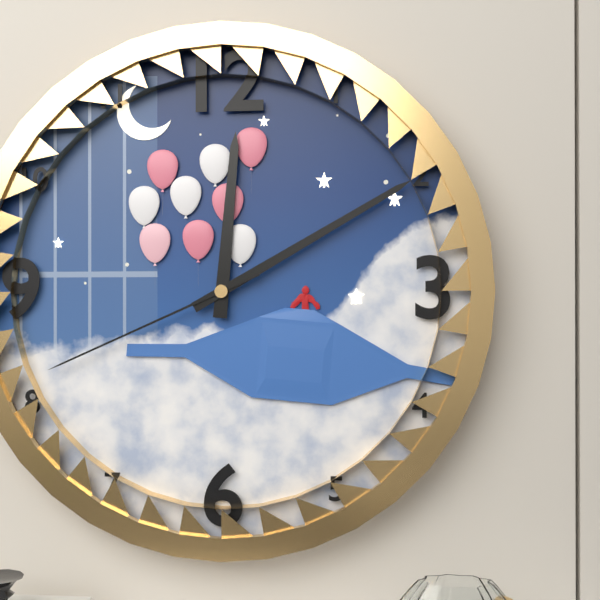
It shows 12,10,41
